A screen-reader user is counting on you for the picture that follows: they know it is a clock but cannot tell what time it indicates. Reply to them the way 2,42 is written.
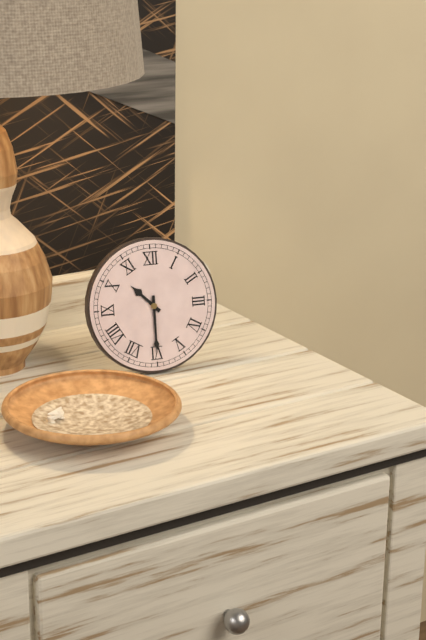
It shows 10,30
